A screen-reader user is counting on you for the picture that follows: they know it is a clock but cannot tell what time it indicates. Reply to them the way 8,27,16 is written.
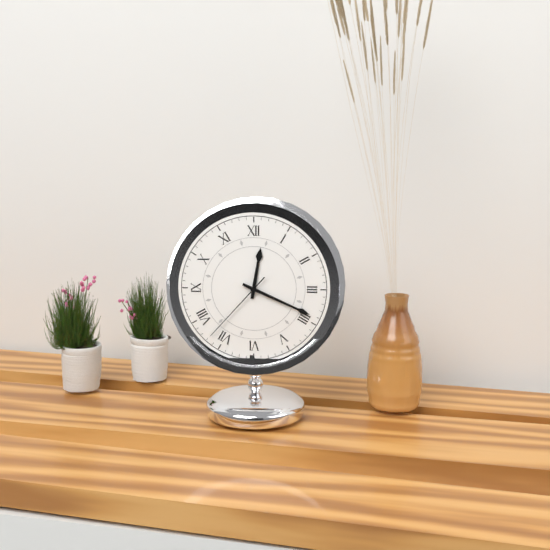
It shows 12,19,37
